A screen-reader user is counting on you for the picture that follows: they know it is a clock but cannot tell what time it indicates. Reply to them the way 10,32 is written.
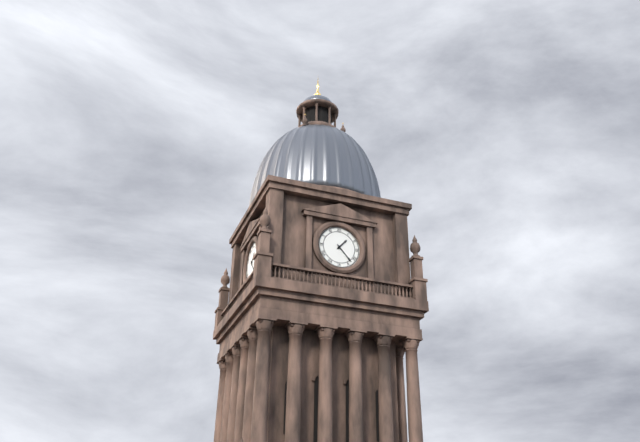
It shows 1,23
